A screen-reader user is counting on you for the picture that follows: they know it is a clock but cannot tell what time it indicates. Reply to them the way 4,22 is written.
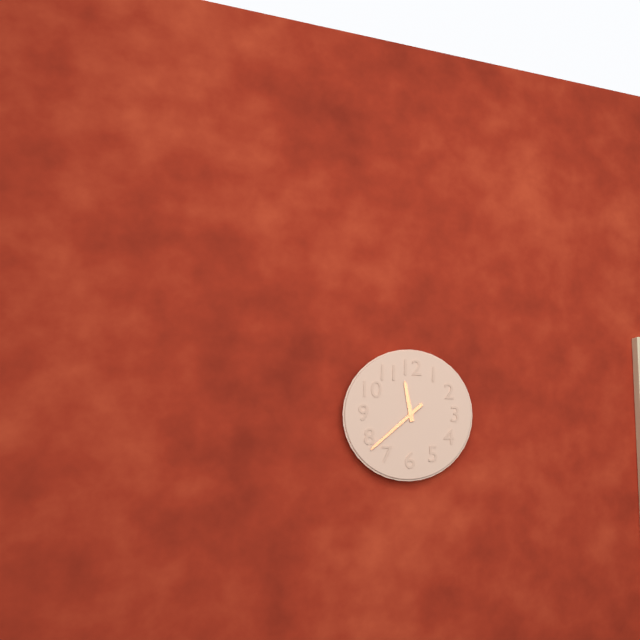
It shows 11,38
